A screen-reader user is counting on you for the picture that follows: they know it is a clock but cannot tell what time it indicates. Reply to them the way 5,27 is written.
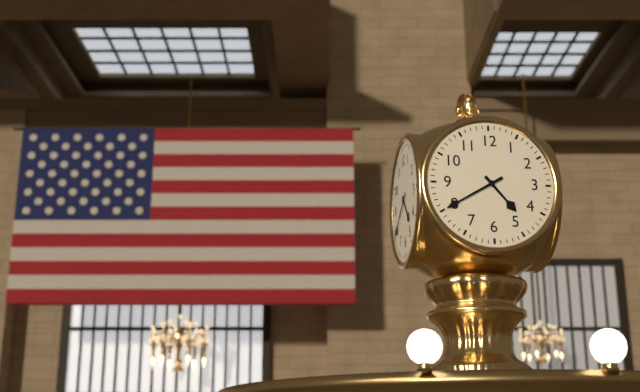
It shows 4,40
